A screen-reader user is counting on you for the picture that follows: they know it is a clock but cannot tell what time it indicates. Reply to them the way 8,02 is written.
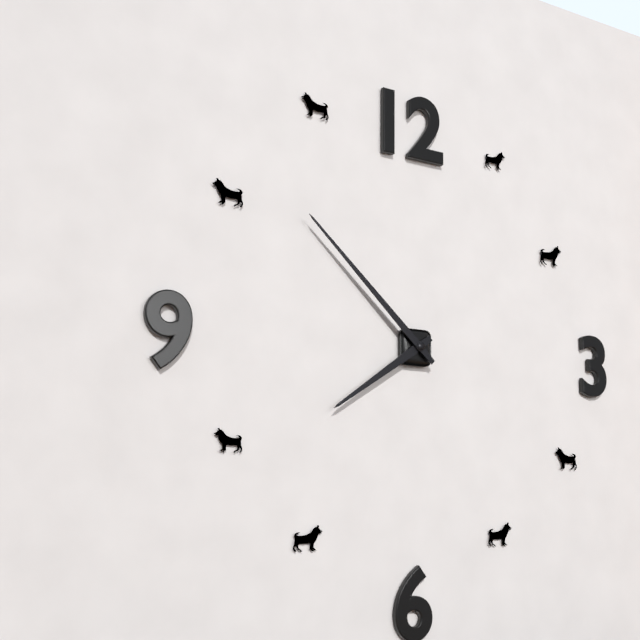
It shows 7,52
